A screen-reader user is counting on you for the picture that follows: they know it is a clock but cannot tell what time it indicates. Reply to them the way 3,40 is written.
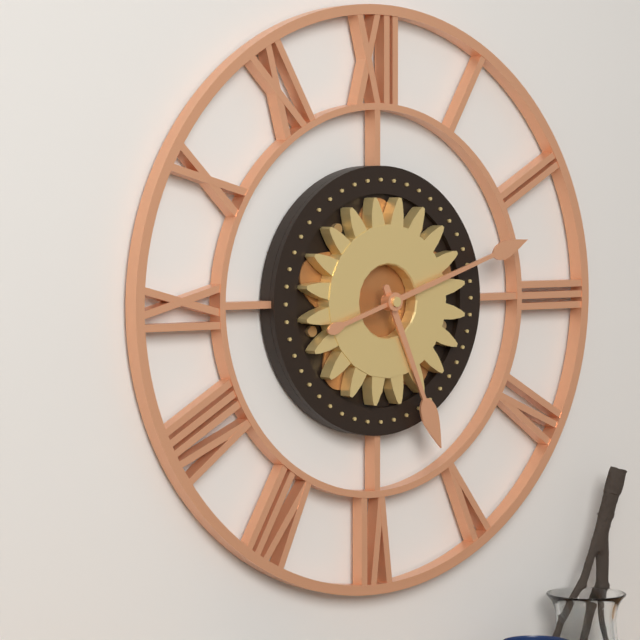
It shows 5,12
